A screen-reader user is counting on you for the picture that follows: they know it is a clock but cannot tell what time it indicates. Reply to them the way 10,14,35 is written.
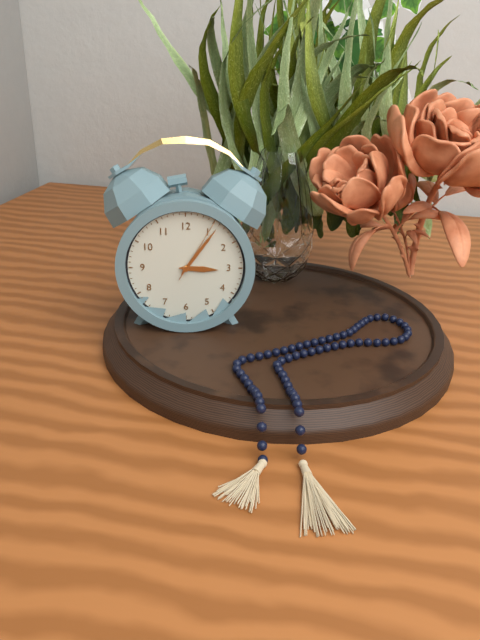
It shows 3,06,05
